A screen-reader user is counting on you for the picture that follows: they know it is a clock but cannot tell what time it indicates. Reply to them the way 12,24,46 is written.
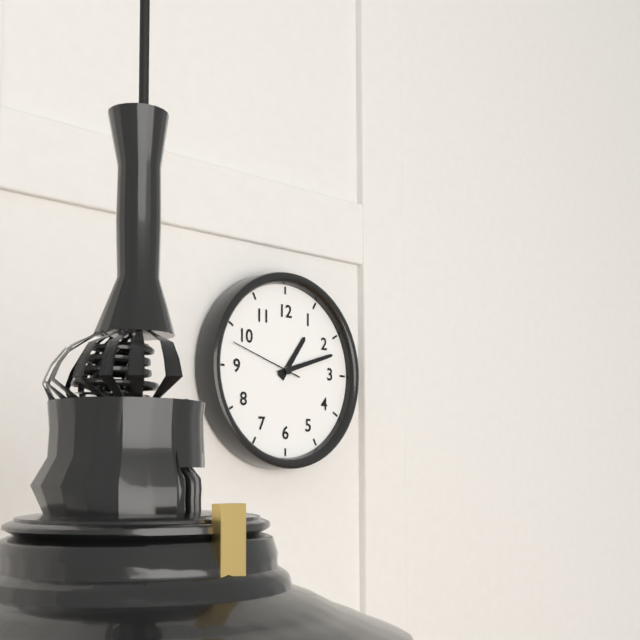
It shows 1,12,48
